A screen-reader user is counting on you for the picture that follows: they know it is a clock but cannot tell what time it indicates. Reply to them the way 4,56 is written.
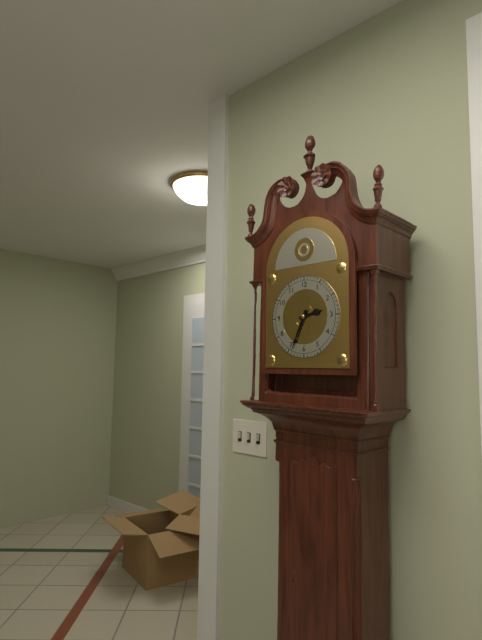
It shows 2,34
